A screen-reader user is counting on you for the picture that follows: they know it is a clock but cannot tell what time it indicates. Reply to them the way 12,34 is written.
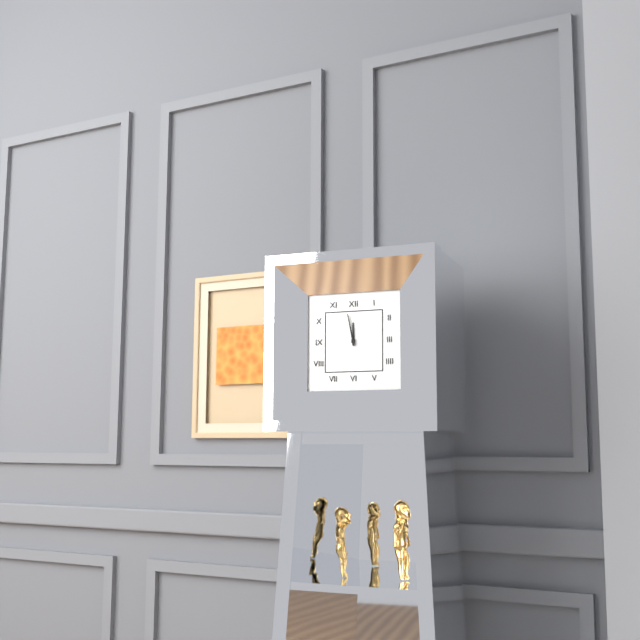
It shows 11,58
